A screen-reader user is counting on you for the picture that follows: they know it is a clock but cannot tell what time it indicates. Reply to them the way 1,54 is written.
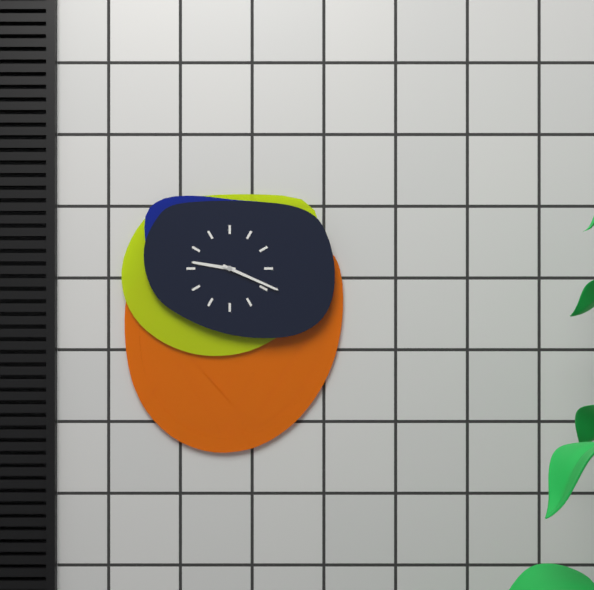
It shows 9,19
